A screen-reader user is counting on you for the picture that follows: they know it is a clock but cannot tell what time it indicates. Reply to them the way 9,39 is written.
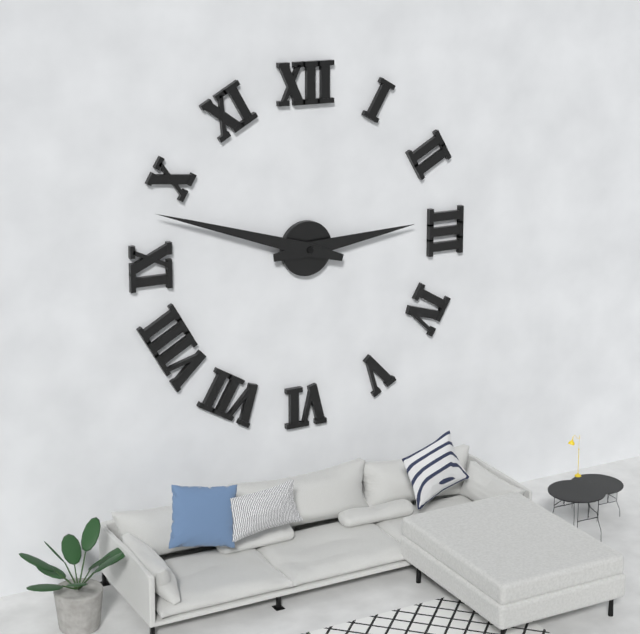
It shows 2,48
